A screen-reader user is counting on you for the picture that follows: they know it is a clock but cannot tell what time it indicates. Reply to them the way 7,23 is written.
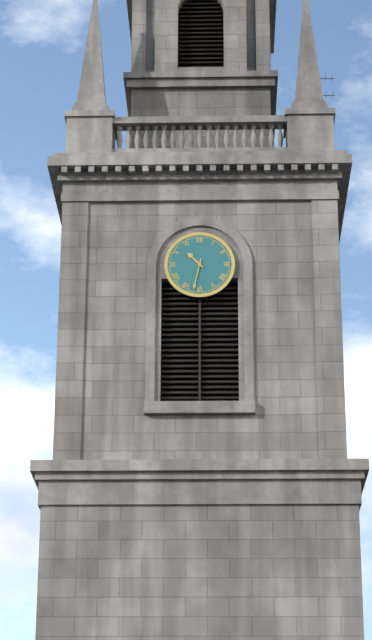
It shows 10,32
